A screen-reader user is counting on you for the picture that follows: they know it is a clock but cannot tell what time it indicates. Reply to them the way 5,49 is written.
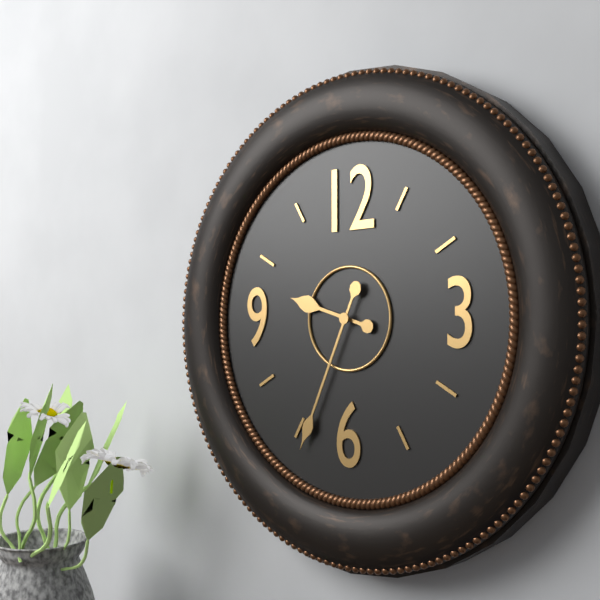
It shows 9,34
